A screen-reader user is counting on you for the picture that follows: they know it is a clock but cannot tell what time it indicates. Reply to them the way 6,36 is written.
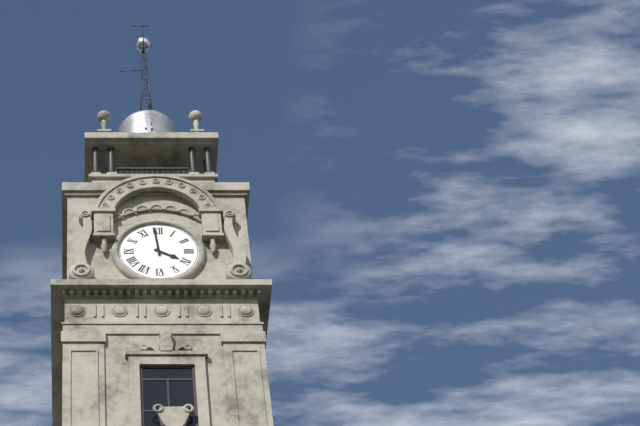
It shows 3,59
